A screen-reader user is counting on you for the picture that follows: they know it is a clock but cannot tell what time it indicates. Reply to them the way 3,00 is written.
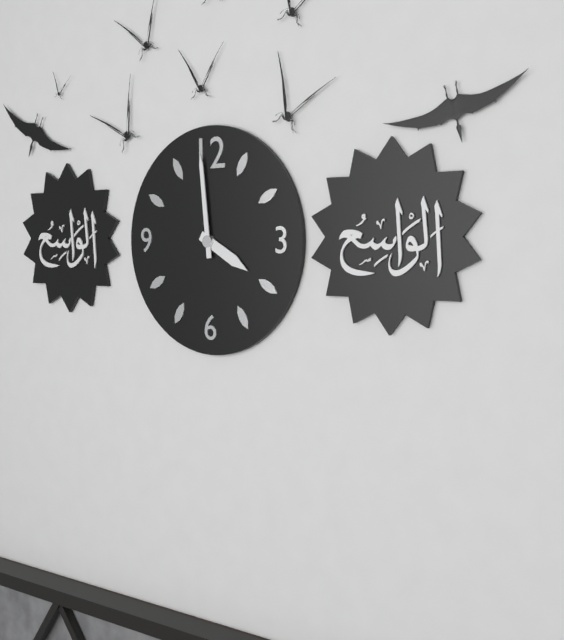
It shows 3,59
